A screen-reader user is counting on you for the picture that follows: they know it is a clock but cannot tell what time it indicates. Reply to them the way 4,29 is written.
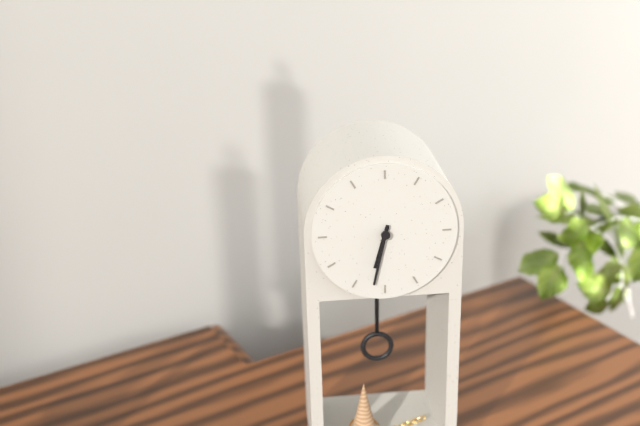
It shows 6,32
